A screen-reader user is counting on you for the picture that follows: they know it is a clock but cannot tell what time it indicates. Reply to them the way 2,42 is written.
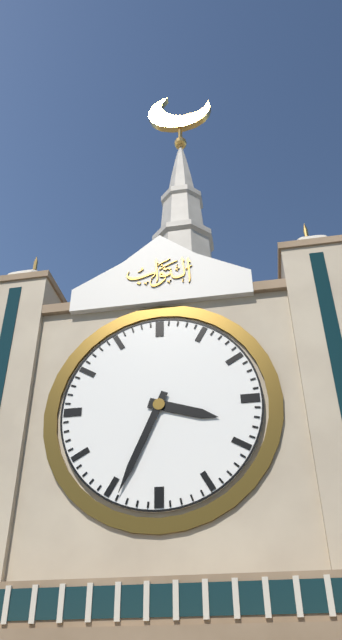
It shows 3,34
